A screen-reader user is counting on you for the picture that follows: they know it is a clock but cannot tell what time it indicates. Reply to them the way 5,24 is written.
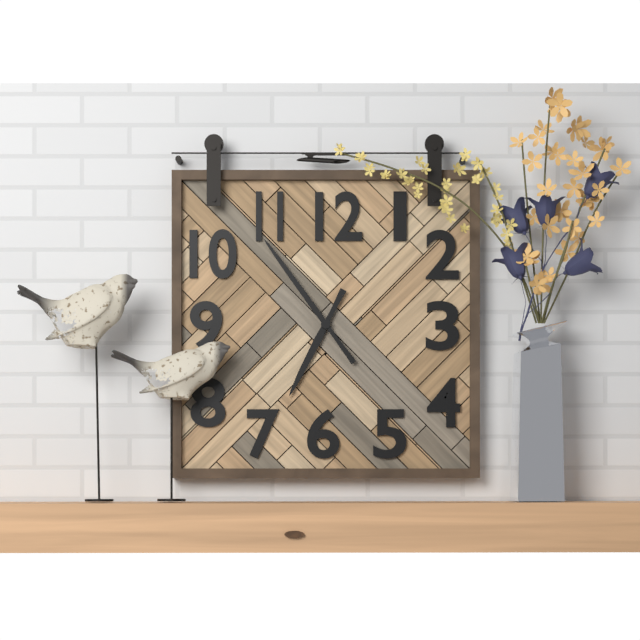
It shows 6,54
